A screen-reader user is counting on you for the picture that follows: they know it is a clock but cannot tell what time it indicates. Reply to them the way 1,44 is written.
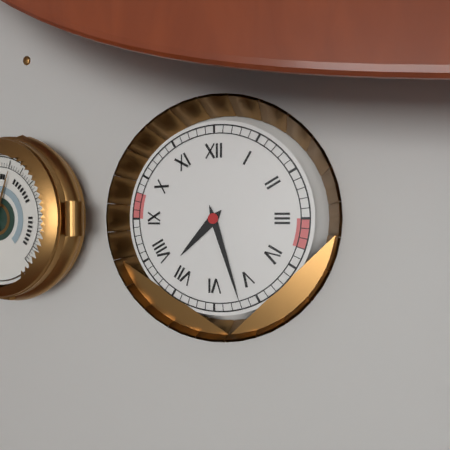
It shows 7,27
